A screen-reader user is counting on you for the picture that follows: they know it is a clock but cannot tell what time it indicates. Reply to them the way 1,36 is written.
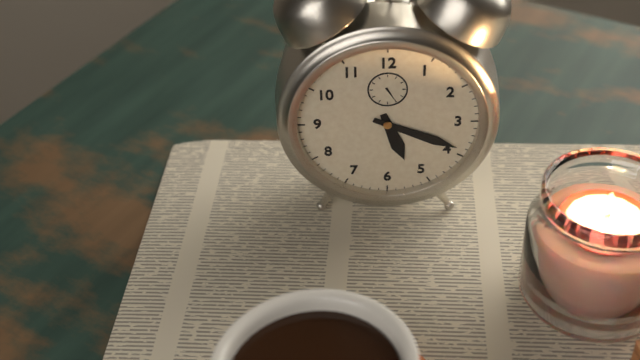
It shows 5,19
